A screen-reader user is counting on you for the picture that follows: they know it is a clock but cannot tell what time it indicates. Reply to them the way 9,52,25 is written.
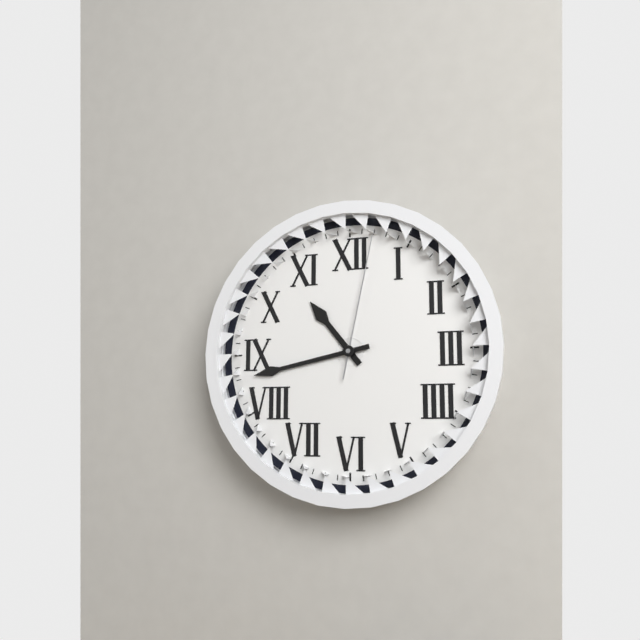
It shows 10,43,02
